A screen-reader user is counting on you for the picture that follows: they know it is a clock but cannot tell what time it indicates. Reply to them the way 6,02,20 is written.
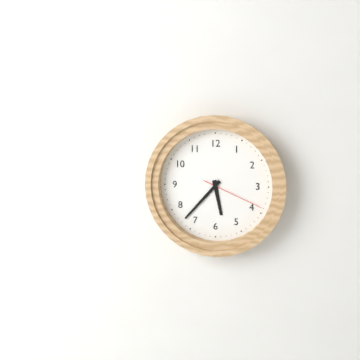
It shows 5,37,19
